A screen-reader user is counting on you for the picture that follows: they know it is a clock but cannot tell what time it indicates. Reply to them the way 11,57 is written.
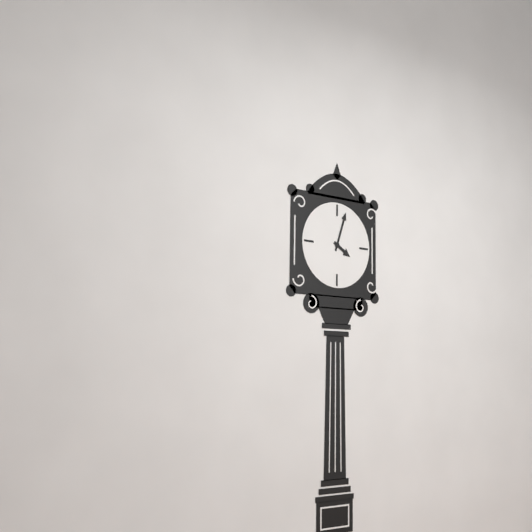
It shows 4,03
